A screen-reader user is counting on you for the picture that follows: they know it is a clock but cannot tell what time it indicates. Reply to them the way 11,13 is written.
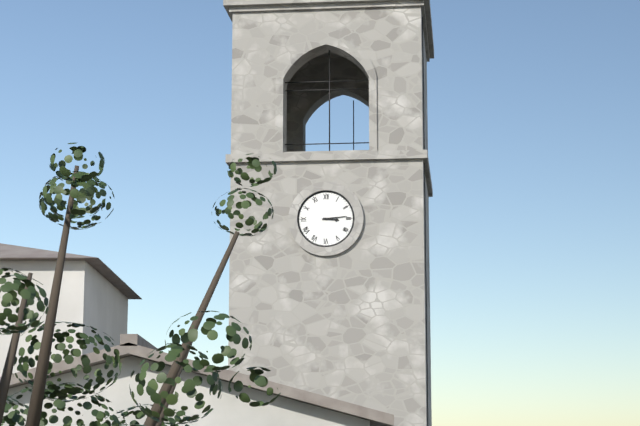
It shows 3,14
